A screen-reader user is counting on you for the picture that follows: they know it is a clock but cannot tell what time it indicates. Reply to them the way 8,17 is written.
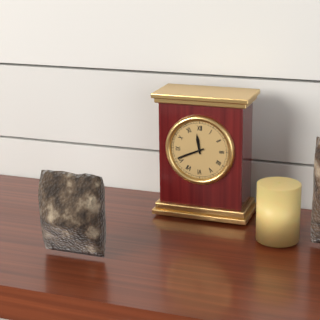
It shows 11,41
